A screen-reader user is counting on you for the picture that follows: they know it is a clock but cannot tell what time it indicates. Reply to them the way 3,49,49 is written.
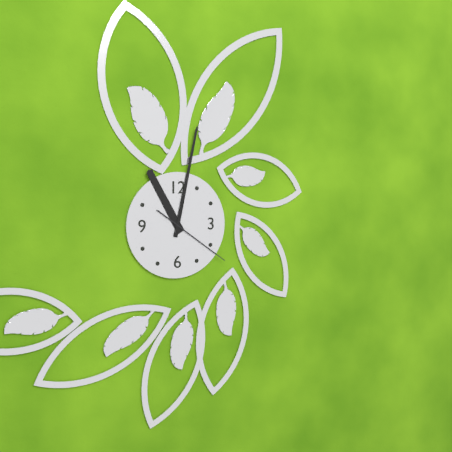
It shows 11,02,21
